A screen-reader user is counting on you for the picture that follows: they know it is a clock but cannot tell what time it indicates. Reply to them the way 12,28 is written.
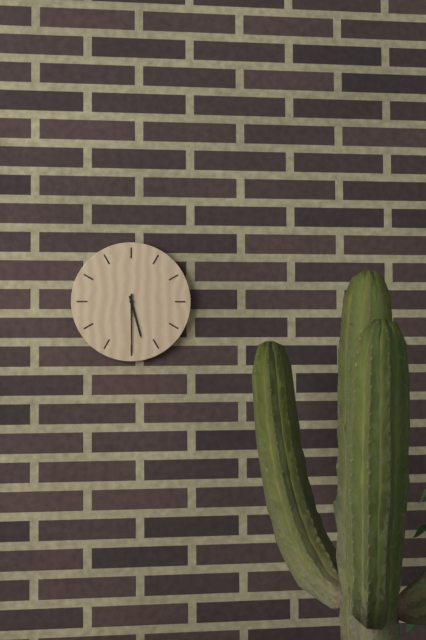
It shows 5,30
